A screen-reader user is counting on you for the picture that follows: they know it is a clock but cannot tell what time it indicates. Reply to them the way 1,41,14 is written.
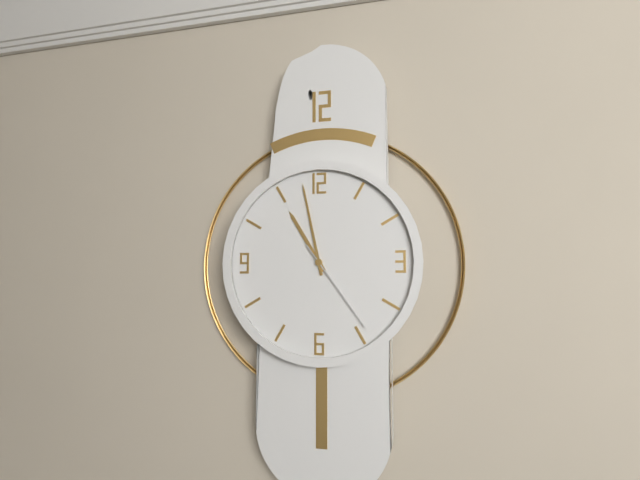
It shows 10,58,24
